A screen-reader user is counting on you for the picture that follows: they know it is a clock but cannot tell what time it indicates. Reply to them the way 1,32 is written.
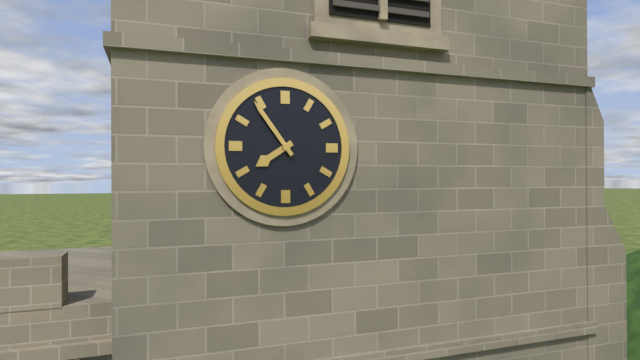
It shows 7,54
